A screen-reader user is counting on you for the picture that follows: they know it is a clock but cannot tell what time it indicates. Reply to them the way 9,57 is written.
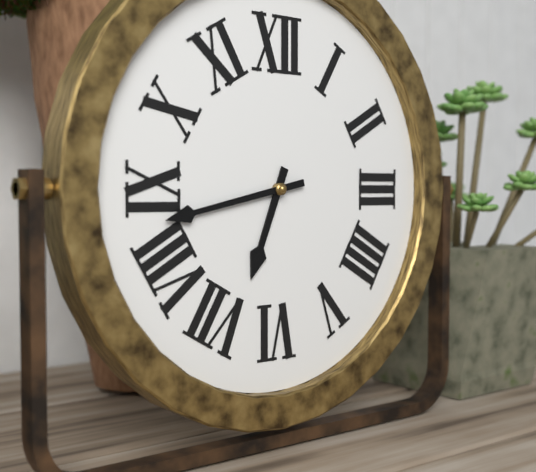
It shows 6,43
